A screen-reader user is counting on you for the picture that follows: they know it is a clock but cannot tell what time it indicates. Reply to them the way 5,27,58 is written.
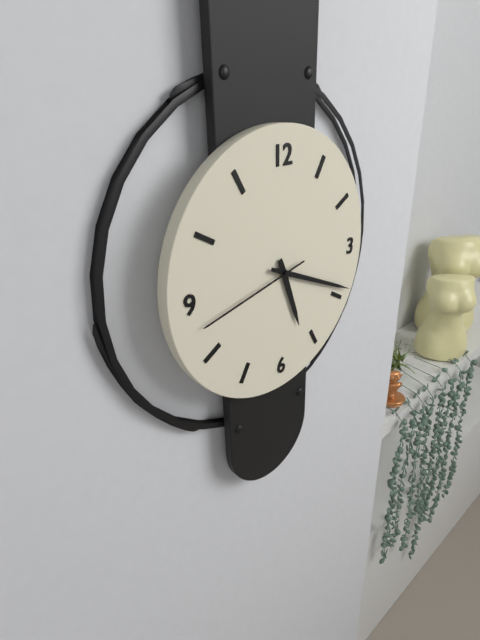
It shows 5,19,43
